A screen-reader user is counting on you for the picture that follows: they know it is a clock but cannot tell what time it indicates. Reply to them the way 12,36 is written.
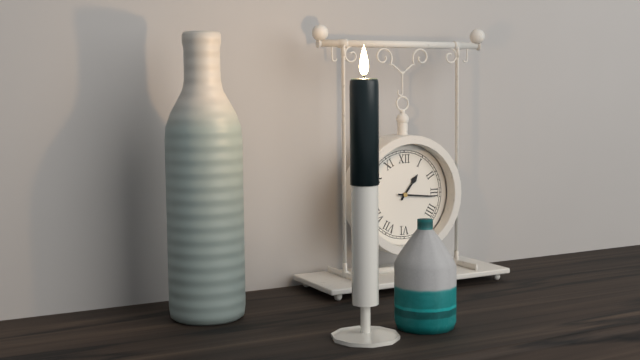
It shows 1,16
